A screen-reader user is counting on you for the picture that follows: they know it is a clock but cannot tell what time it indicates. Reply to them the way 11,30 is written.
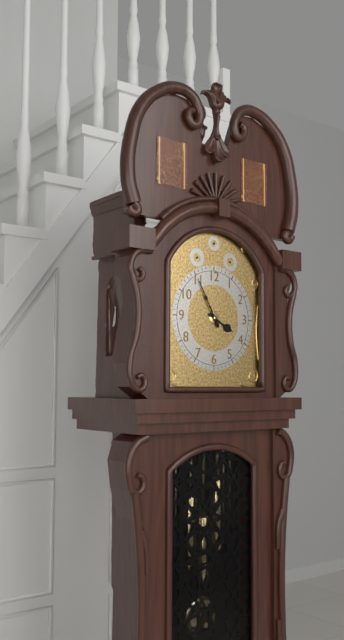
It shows 3,55
